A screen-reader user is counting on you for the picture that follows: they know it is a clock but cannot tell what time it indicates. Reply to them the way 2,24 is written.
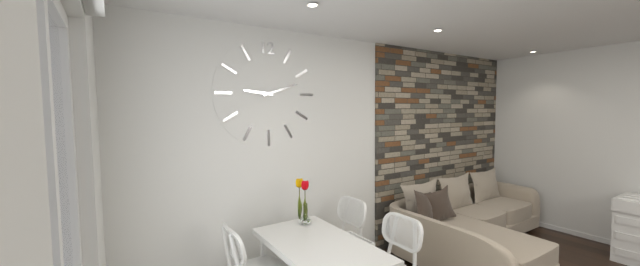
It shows 9,12
